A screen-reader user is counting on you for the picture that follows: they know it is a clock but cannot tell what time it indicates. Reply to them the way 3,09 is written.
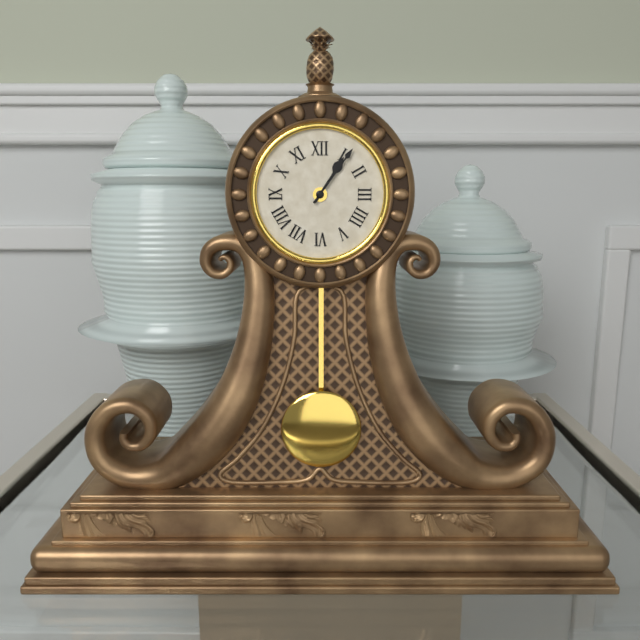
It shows 1,06
